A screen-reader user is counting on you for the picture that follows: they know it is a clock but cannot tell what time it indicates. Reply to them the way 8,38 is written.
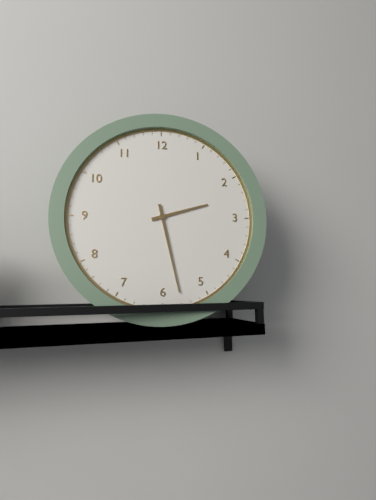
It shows 2,28
